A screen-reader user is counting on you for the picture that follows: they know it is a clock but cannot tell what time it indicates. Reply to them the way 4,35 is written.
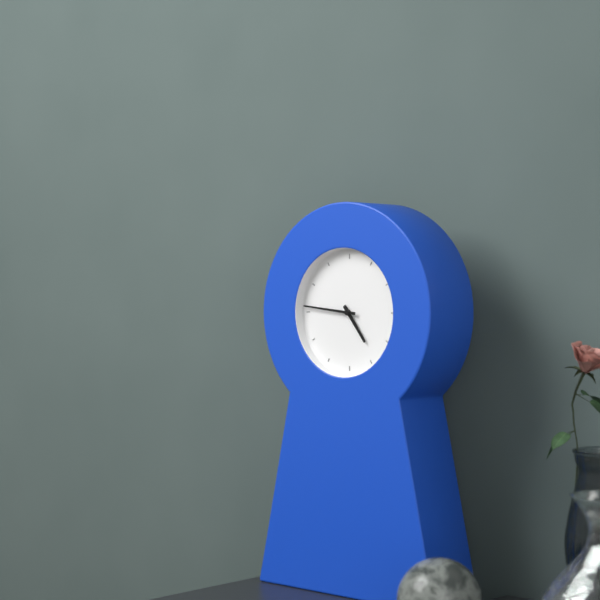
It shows 4,46
